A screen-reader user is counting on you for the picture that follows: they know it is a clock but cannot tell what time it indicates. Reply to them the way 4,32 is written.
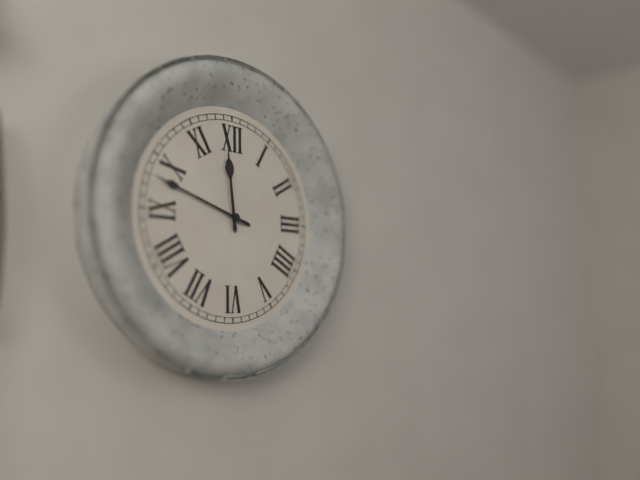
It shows 11,48
